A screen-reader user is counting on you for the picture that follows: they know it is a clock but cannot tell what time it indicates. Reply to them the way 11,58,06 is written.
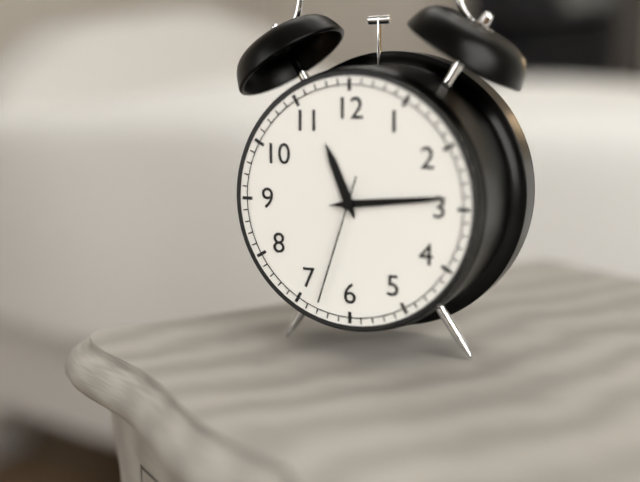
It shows 11,14,33
